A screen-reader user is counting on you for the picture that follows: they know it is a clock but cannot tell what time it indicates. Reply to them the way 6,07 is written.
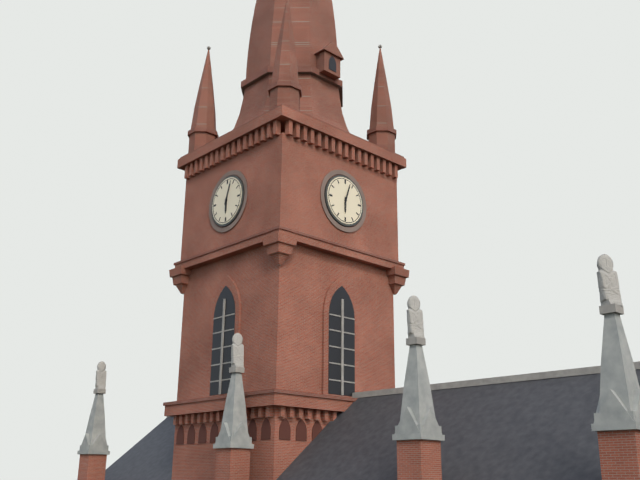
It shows 6,03
